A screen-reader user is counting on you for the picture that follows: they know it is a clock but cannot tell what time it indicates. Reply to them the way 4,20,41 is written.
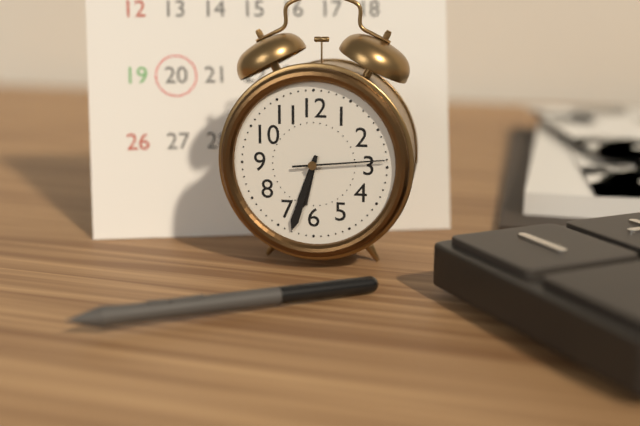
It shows 6,33,14
